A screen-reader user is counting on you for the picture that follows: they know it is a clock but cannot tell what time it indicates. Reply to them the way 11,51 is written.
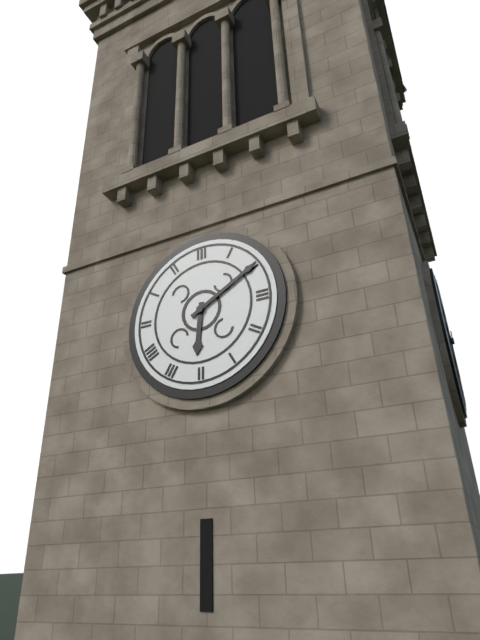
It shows 6,10
